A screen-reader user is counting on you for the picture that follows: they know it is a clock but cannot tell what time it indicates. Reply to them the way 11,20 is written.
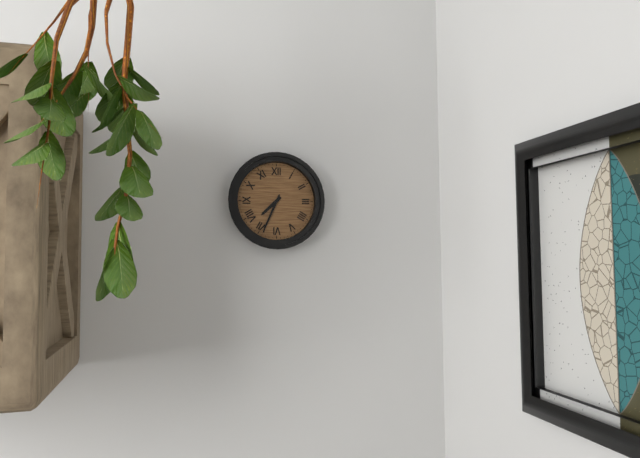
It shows 7,34
